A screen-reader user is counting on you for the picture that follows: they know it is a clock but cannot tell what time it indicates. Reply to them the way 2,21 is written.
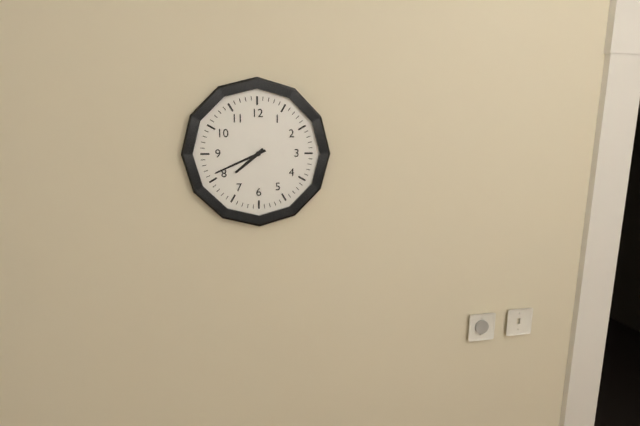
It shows 7,41
